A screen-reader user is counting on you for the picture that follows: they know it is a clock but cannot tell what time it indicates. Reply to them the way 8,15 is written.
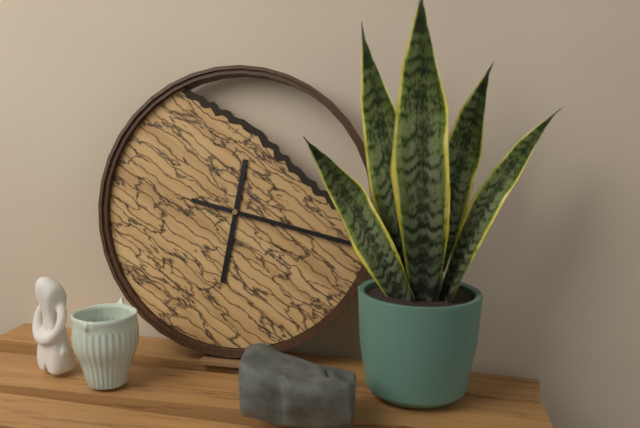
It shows 6,17
